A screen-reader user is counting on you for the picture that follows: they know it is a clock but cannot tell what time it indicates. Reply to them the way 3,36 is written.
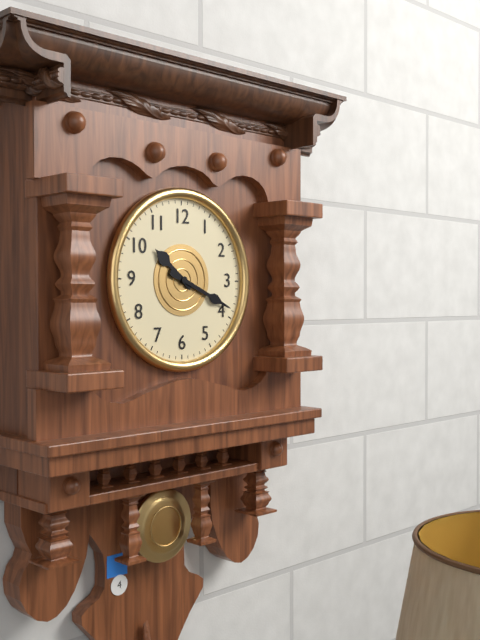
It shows 10,19
